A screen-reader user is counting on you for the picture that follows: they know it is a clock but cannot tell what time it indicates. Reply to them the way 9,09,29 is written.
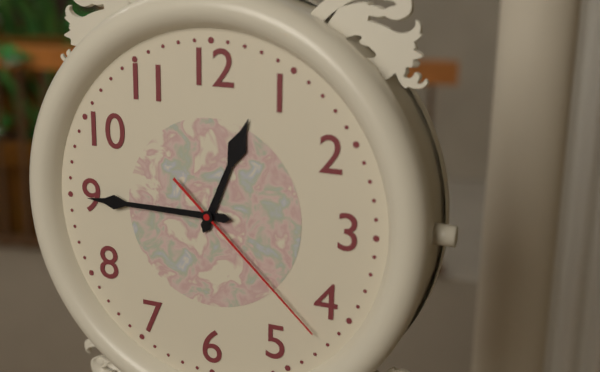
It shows 12,45,22
